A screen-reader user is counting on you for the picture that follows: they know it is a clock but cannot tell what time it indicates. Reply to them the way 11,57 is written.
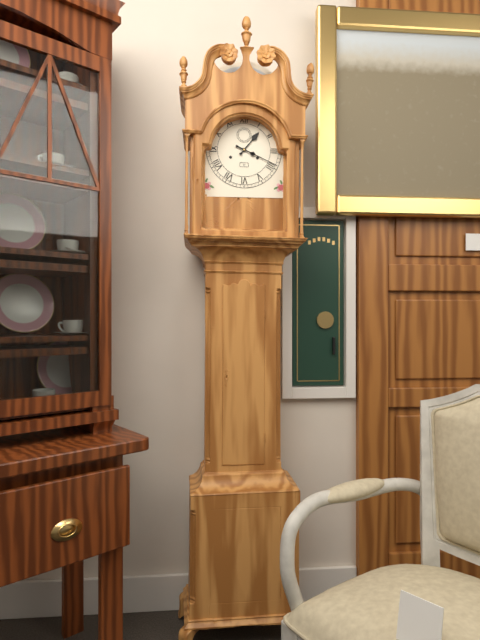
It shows 1,19
